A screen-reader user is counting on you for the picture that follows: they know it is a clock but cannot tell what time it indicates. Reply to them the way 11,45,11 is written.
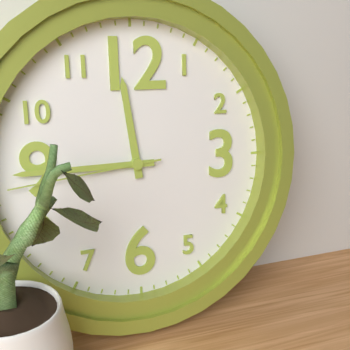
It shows 11,45,44
